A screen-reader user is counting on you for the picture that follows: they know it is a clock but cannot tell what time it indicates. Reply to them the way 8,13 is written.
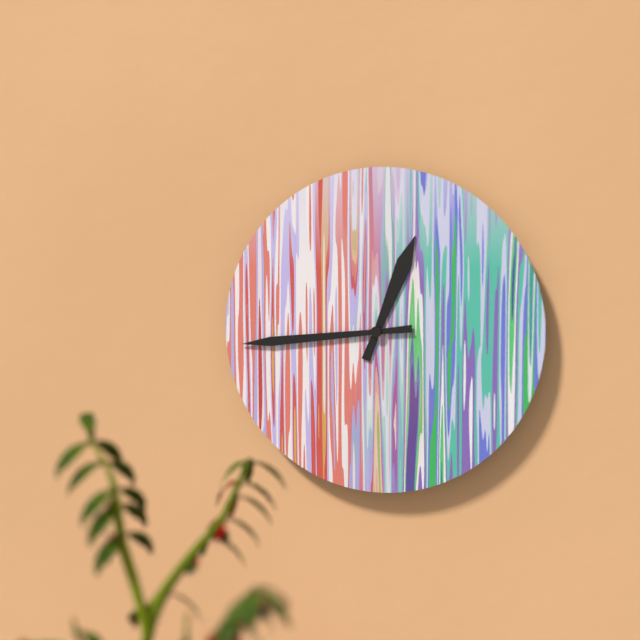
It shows 12,44
